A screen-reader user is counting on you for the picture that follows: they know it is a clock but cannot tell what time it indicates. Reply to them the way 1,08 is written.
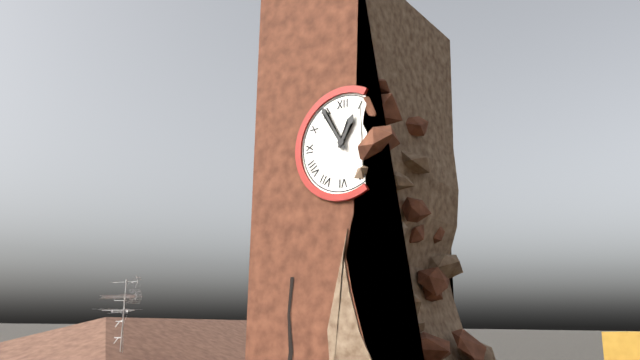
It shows 12,55
